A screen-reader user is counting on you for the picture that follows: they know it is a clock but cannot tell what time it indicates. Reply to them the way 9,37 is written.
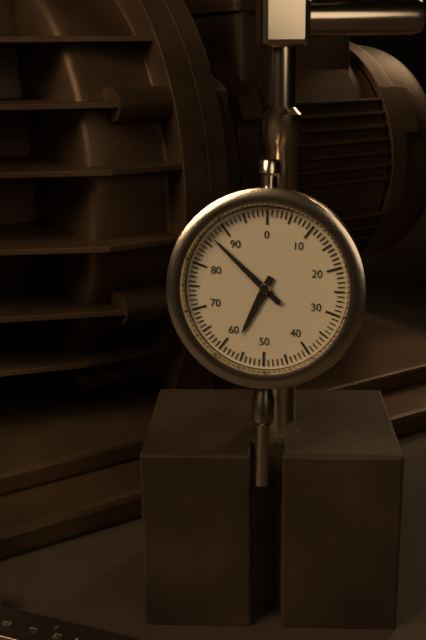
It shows 6,52
